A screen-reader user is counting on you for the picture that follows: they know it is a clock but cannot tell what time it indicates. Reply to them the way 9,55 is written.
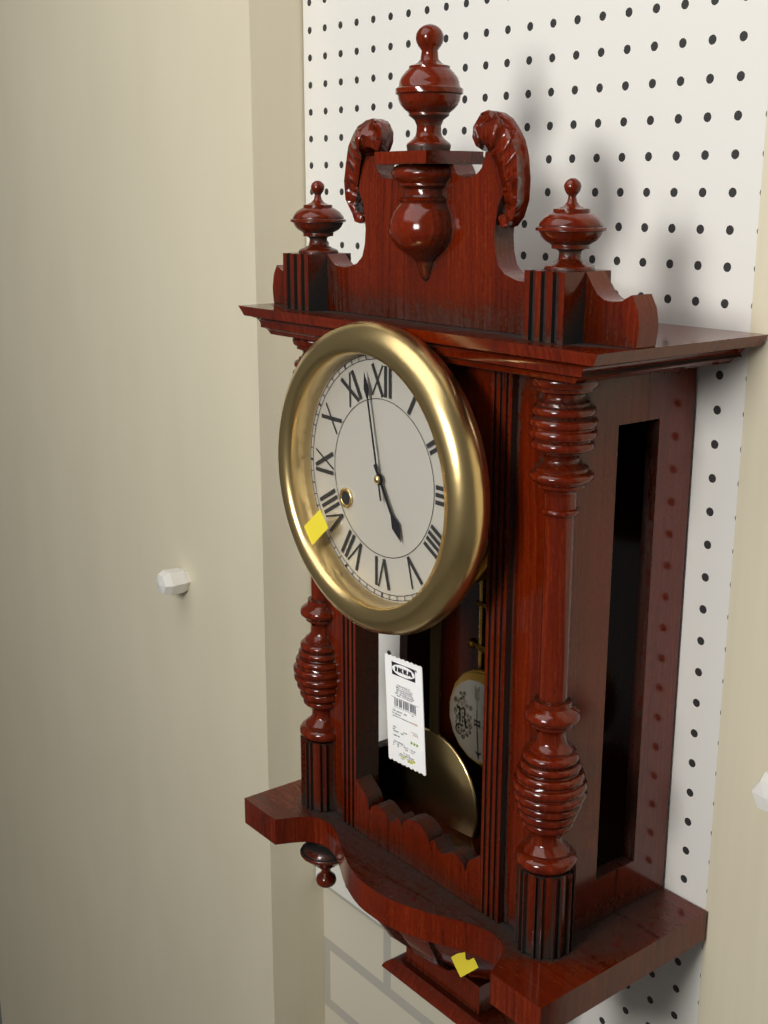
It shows 4,58
